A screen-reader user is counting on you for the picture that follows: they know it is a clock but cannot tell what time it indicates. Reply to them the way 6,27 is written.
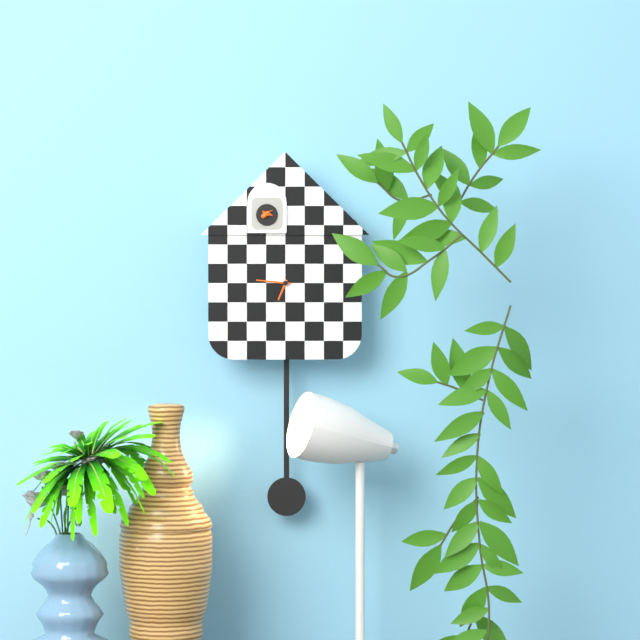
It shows 6,46
